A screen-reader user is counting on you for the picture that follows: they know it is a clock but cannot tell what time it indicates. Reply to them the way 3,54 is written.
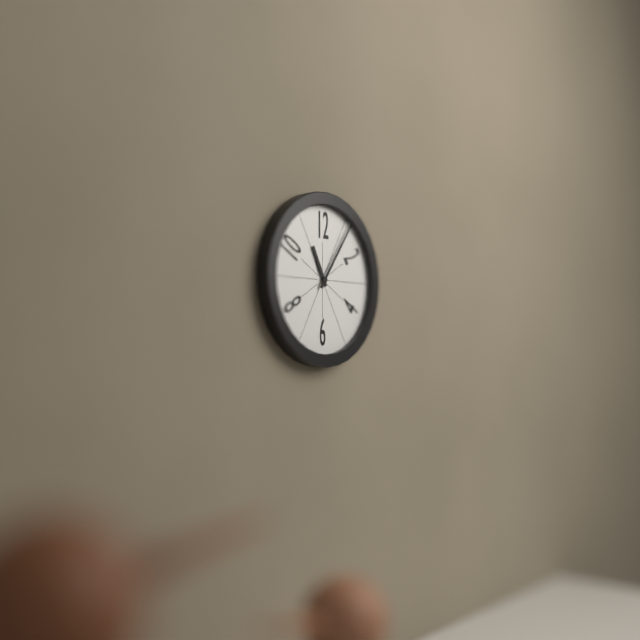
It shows 11,06
